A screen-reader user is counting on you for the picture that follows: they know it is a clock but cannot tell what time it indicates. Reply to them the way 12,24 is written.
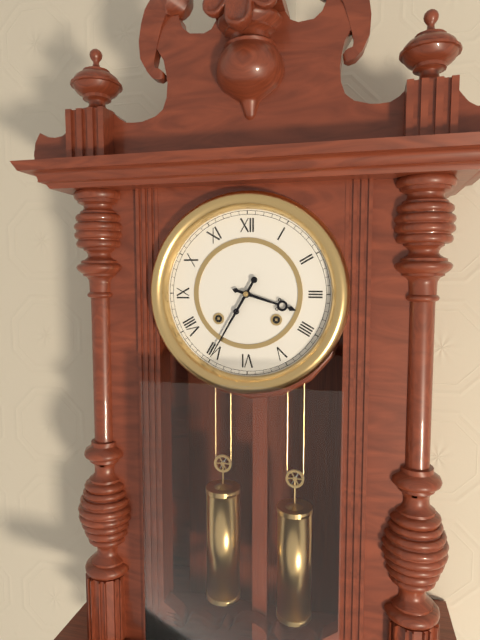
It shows 3,35
